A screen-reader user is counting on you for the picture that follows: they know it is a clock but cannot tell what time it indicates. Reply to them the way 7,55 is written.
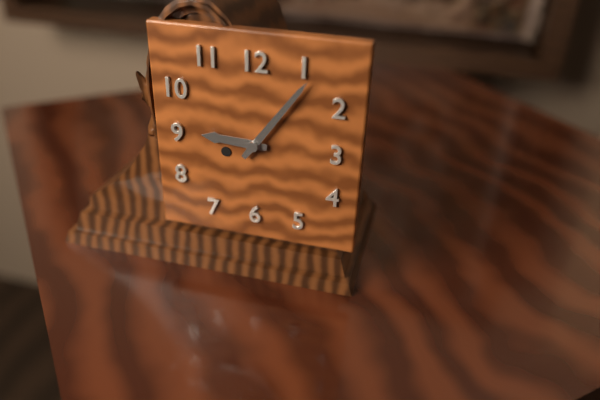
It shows 9,06
